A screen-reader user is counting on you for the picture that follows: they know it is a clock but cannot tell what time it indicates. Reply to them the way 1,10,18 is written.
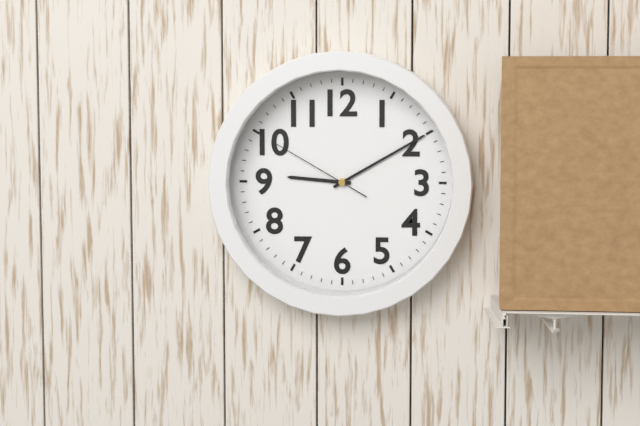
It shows 9,10,50
